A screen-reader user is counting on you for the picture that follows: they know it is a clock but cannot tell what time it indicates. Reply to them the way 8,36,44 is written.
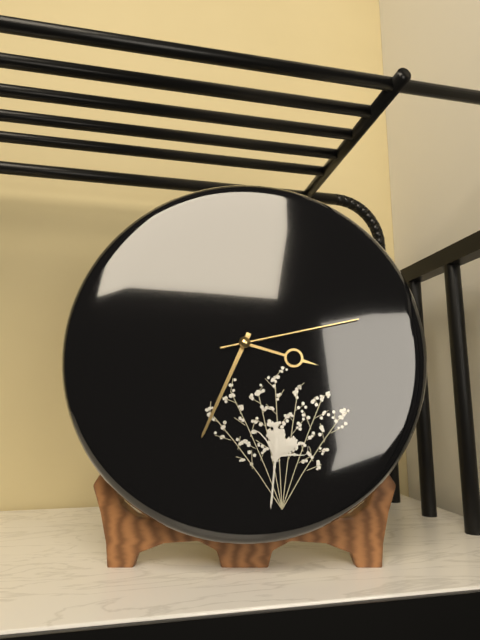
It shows 3,34,13
